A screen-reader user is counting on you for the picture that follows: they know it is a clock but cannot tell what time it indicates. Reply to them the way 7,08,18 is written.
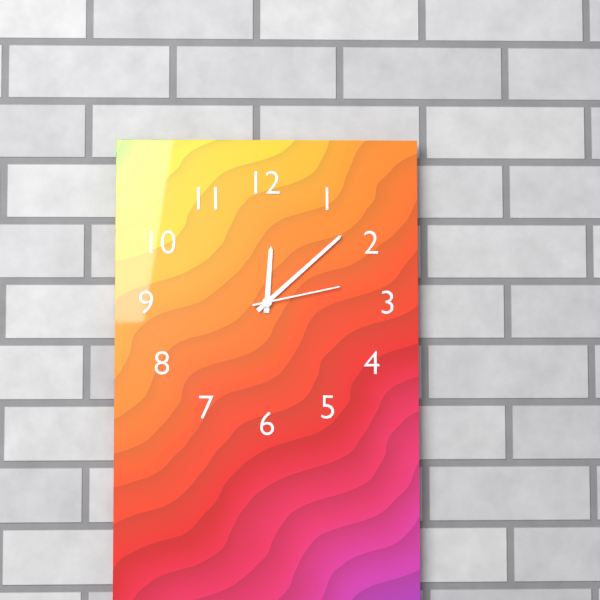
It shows 12,08,13
